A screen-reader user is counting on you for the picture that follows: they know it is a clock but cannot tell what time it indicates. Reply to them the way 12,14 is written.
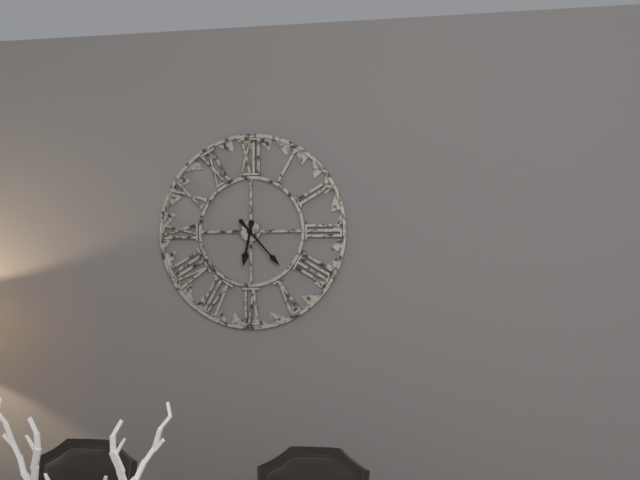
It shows 6,23
